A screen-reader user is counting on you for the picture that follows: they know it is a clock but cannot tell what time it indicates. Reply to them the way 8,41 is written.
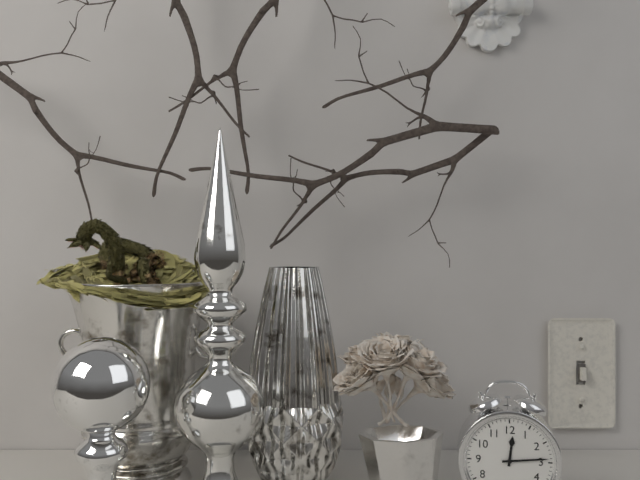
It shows 12,14
